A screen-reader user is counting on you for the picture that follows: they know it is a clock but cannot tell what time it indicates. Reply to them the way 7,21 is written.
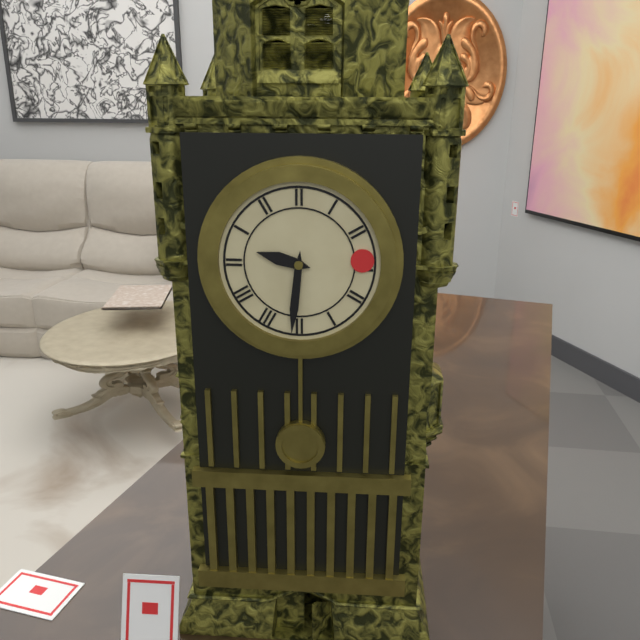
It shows 9,31
